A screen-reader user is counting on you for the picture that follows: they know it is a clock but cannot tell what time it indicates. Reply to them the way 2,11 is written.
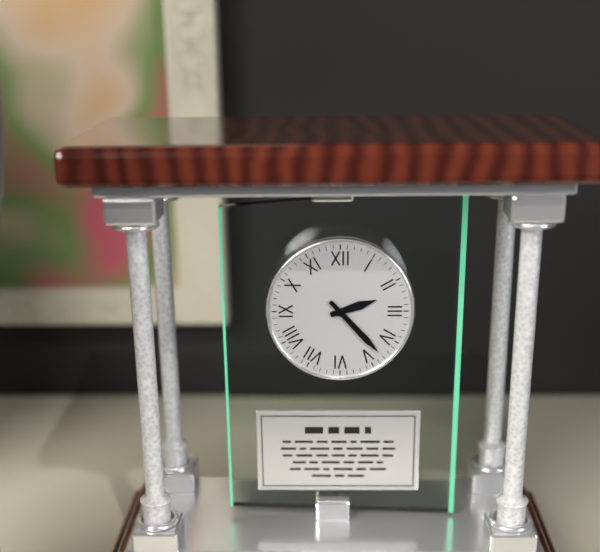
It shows 2,23
